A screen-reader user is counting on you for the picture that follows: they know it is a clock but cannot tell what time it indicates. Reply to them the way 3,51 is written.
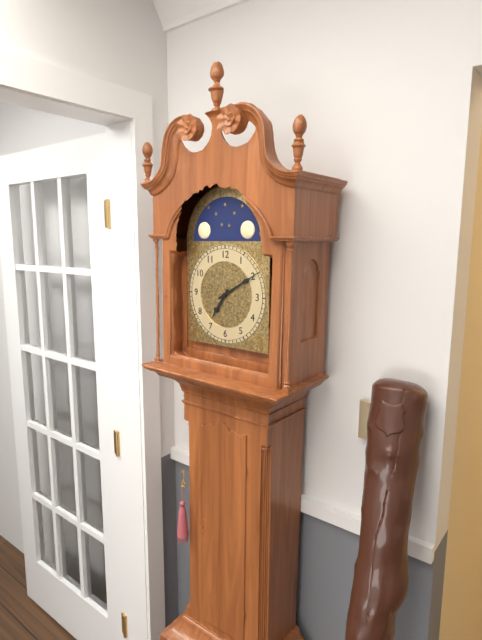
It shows 7,10
